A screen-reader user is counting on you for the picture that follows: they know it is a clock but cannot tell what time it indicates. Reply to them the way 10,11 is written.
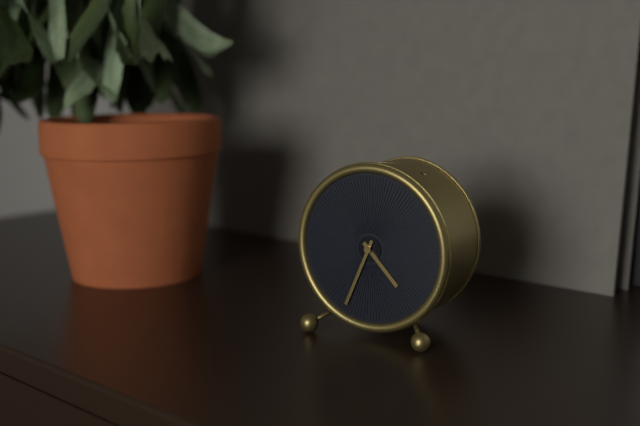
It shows 4,34
